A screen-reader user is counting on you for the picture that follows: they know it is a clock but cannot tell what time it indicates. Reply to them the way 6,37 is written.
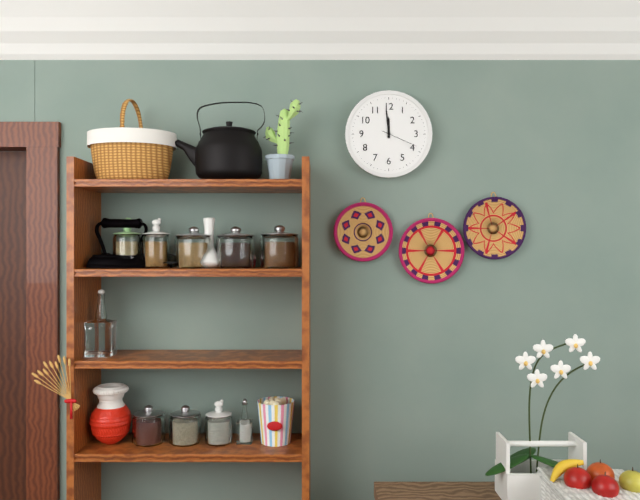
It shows 11,59
